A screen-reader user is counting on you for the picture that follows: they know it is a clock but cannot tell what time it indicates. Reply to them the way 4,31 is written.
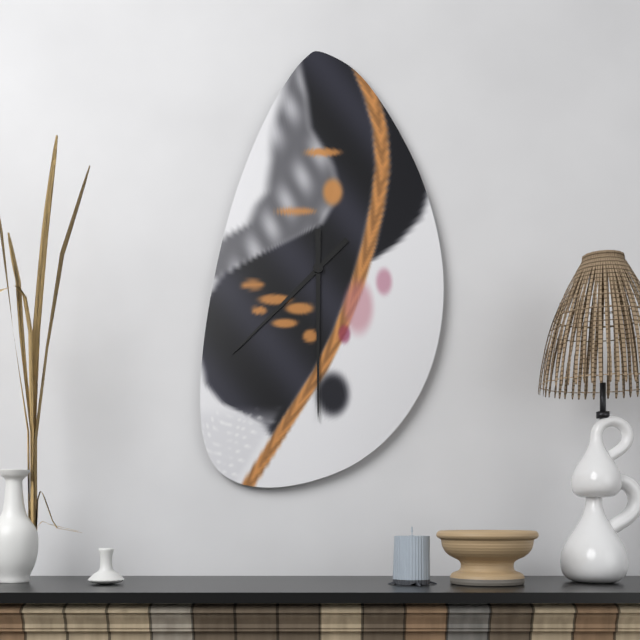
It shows 7,30
